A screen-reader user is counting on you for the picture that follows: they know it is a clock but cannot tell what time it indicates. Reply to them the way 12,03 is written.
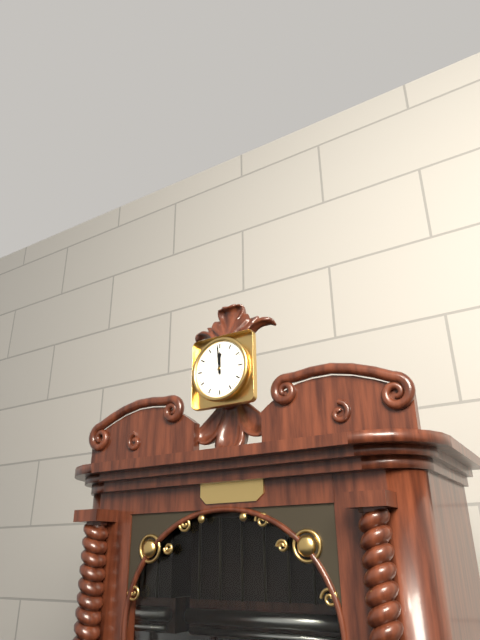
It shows 11,59
